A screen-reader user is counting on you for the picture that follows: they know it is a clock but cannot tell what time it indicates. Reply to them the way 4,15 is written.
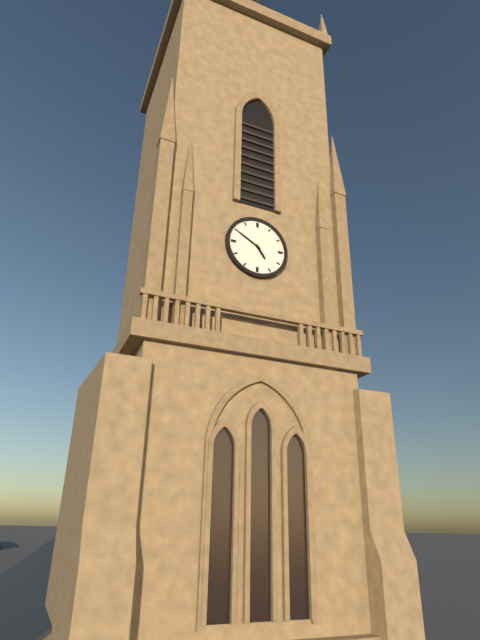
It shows 4,50
